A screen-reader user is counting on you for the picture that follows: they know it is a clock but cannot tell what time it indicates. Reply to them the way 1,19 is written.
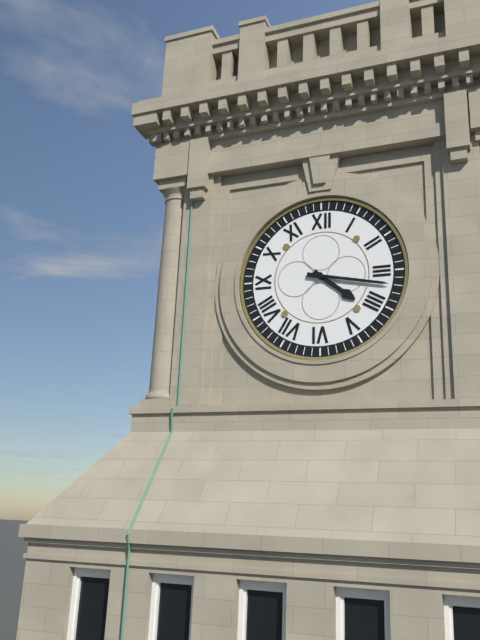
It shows 4,17
